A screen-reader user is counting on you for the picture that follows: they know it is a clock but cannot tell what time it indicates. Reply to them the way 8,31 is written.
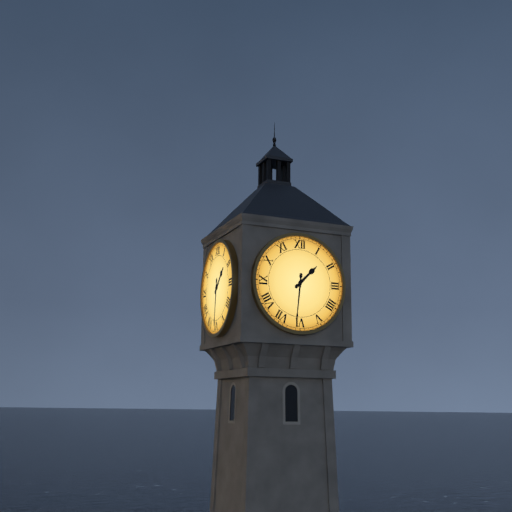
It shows 1,31
